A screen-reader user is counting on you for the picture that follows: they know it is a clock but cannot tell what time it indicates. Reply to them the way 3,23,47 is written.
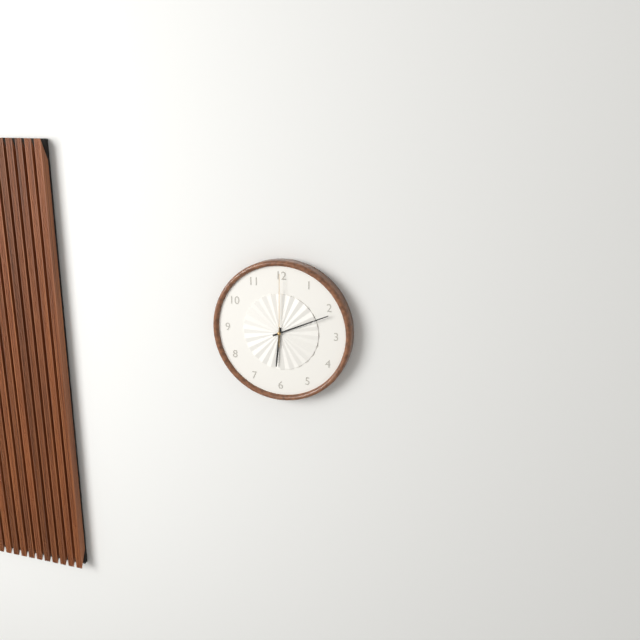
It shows 6,11,00
